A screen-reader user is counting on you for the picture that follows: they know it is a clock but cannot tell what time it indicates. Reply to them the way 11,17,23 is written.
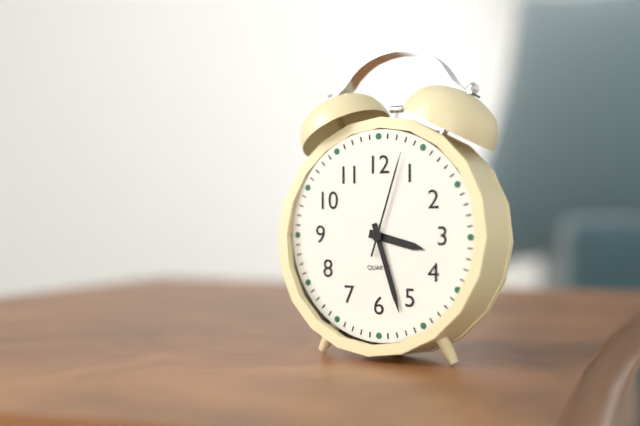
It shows 3,27,03
